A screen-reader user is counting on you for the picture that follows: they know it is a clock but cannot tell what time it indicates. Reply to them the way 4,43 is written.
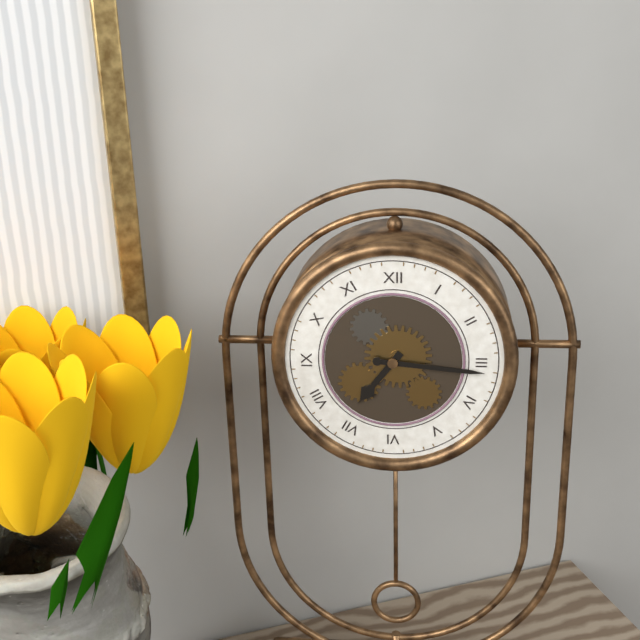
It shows 7,16
